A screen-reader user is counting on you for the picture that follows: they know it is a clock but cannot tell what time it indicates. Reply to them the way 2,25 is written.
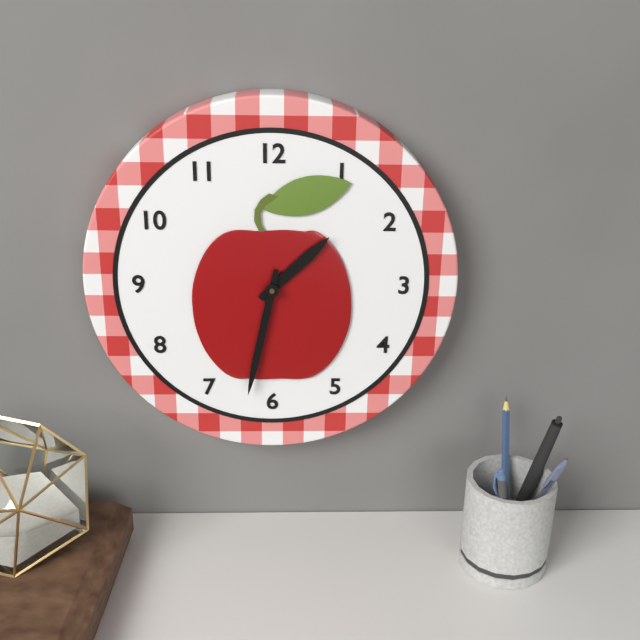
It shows 1,32
